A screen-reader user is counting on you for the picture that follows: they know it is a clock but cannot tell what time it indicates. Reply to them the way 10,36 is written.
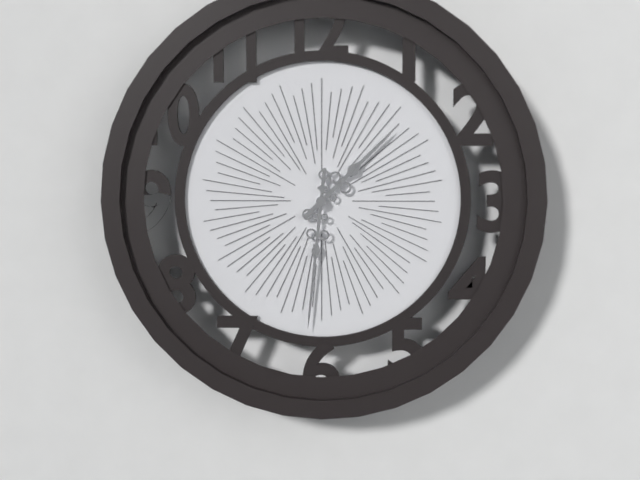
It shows 1,31
